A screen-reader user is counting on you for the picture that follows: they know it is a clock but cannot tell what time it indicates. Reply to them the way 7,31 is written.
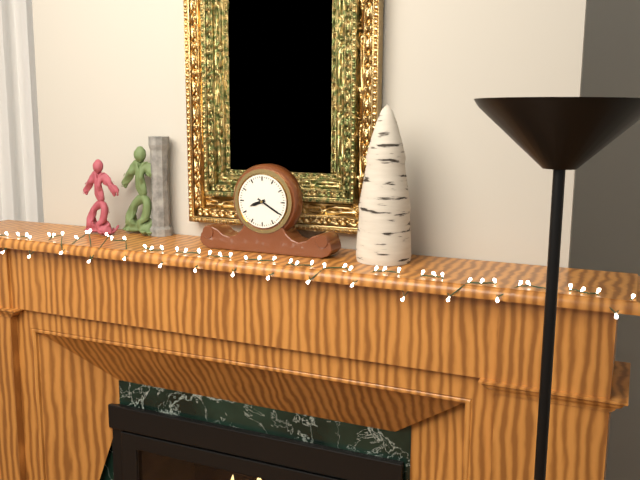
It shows 8,20
